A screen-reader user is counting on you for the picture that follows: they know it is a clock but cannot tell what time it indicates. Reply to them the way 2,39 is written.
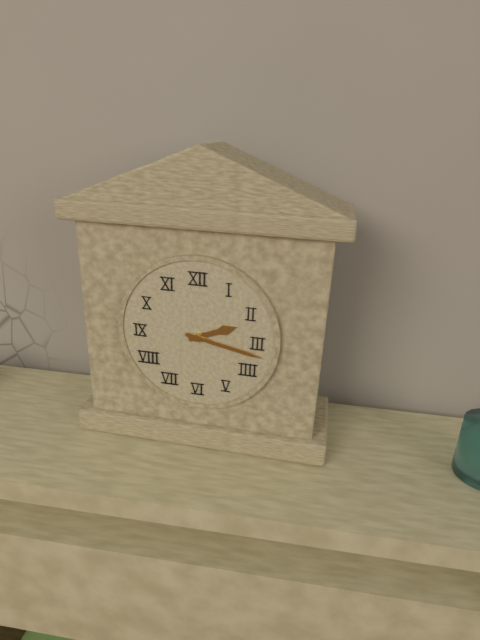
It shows 2,17
